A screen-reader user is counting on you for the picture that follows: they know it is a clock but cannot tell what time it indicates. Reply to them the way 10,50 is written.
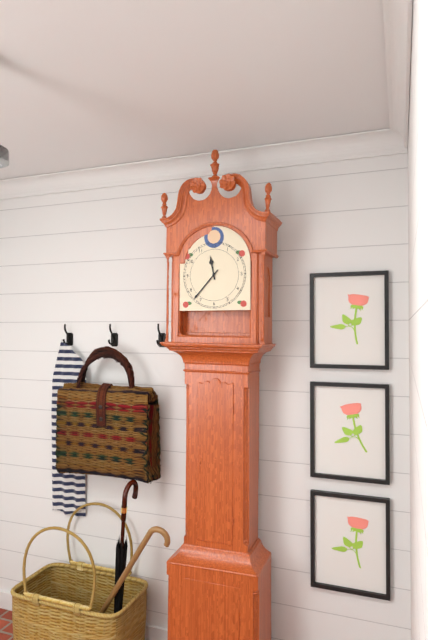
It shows 11,37
